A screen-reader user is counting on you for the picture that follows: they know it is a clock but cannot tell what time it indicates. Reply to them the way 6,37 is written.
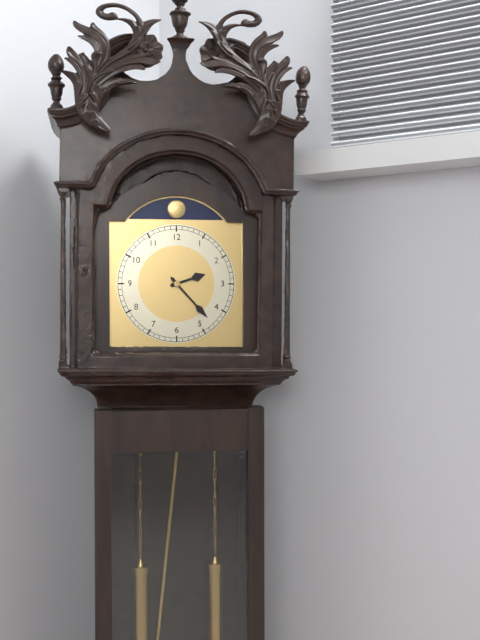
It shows 2,23
